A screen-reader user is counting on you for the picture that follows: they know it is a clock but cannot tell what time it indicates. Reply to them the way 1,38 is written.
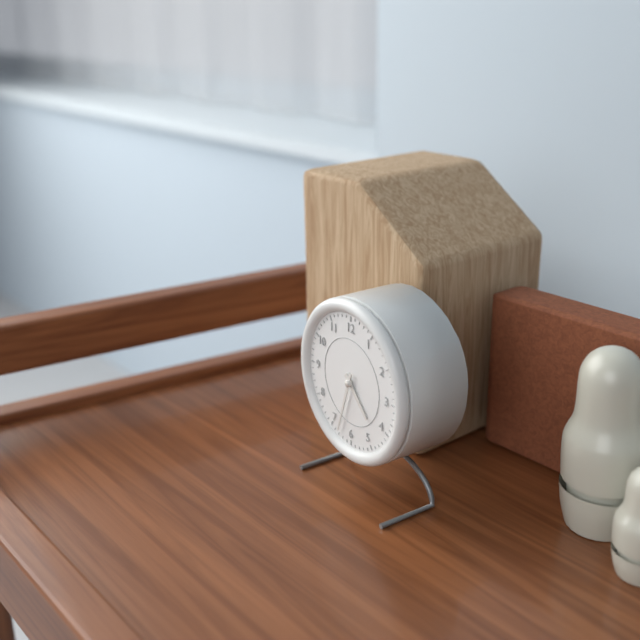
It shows 4,33
